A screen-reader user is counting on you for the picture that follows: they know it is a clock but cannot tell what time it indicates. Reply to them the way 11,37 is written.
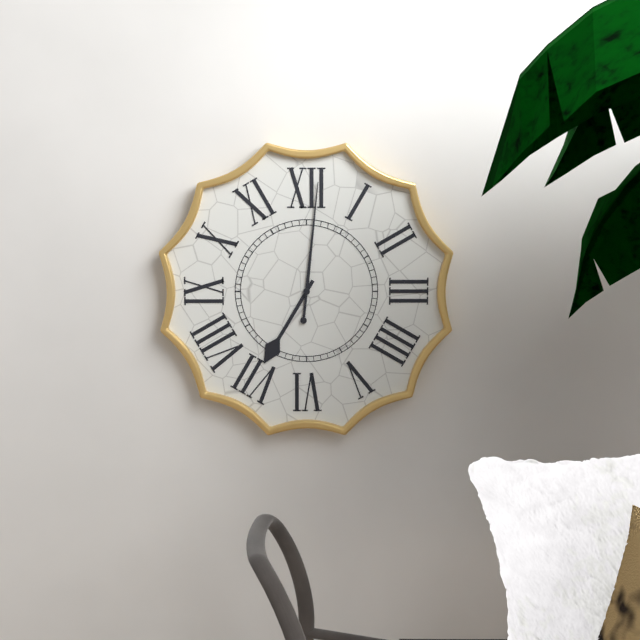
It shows 7,01
